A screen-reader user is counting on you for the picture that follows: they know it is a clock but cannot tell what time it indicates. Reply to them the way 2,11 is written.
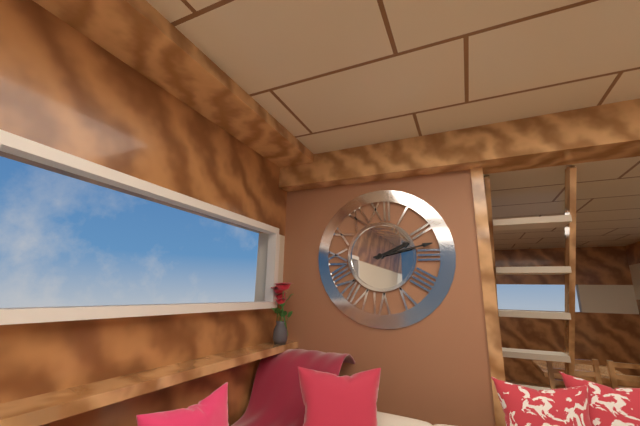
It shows 2,13
